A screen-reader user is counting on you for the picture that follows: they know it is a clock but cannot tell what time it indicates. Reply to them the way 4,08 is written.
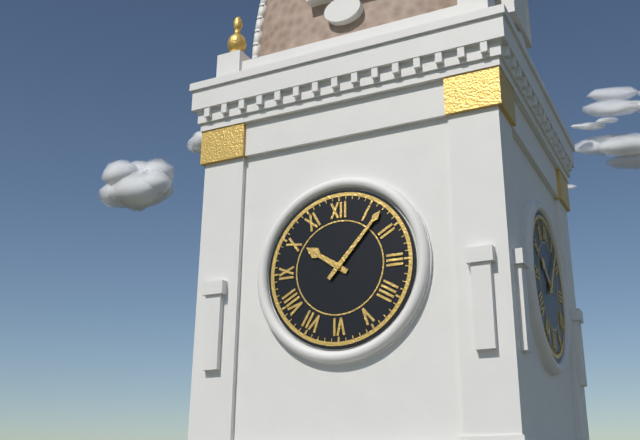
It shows 10,07
